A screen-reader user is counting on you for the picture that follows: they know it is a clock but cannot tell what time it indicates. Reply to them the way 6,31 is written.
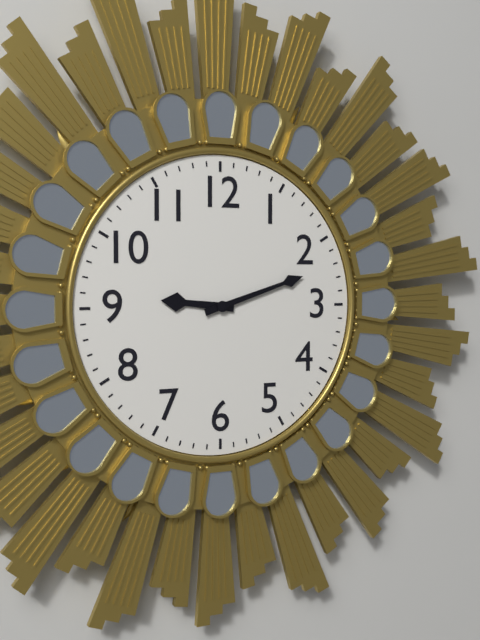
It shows 9,12
